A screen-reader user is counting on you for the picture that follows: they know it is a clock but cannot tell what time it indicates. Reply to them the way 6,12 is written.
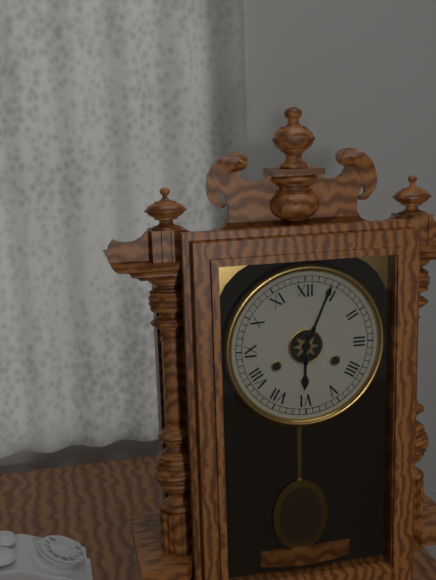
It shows 6,04
